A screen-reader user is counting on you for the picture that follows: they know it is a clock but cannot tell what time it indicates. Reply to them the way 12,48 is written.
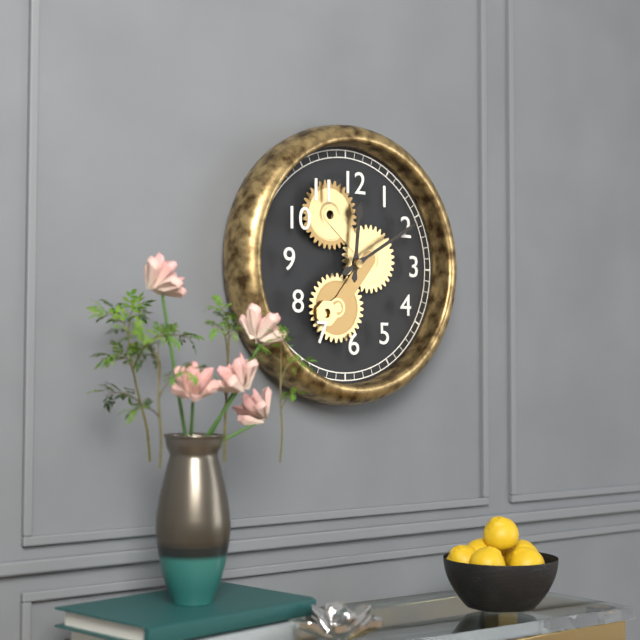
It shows 12,10
